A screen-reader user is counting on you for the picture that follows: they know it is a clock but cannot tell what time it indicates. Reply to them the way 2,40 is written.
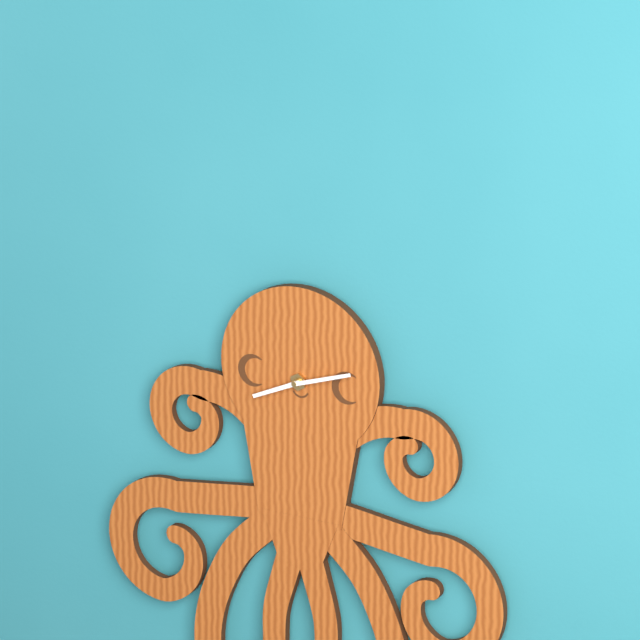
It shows 8,12
